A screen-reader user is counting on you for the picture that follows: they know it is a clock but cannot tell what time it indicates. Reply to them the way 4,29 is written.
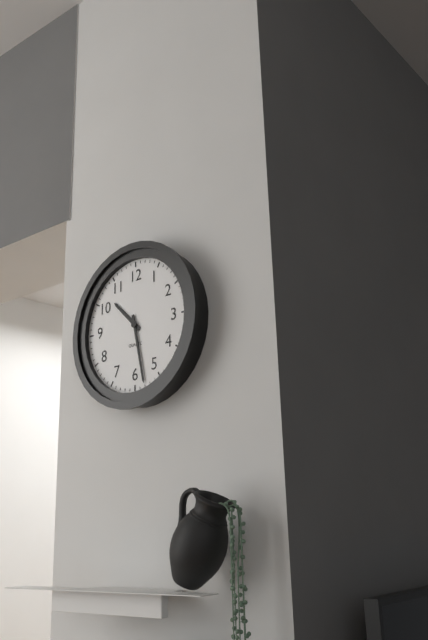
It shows 10,28
